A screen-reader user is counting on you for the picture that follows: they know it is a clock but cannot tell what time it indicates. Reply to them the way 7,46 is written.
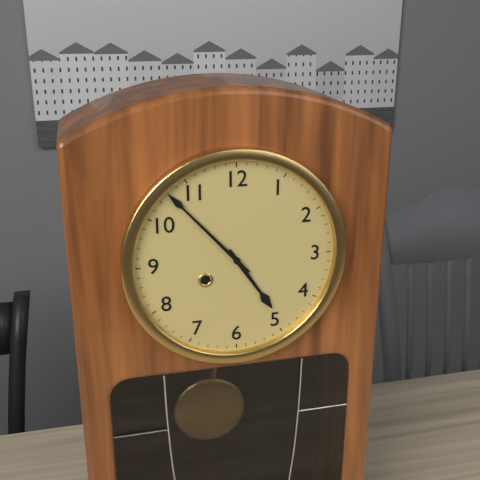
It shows 4,53
